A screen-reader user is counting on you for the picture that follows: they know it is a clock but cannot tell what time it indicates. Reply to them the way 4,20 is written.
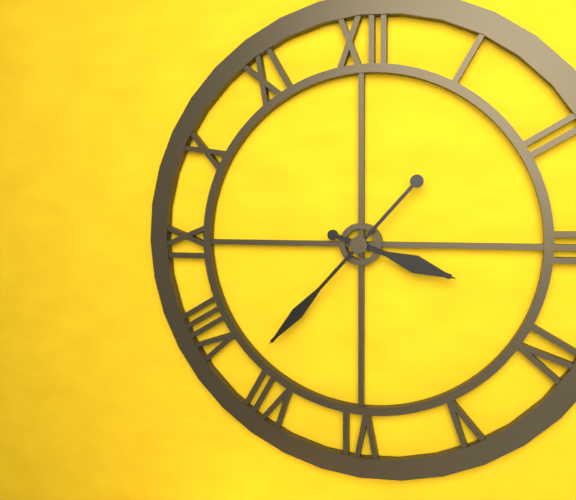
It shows 3,37
